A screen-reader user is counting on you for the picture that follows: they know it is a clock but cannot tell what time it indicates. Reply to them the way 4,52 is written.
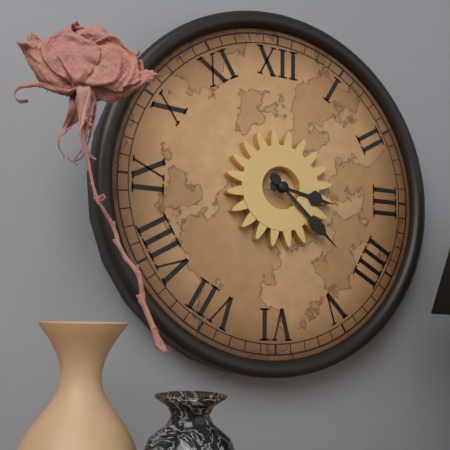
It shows 3,22
